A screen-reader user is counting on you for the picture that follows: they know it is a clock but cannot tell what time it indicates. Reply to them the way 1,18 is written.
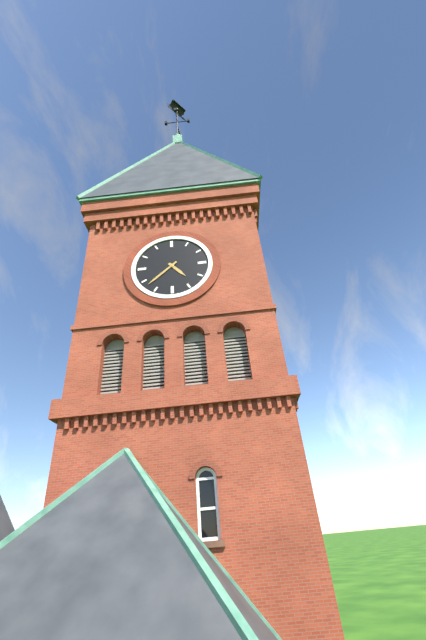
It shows 4,38
